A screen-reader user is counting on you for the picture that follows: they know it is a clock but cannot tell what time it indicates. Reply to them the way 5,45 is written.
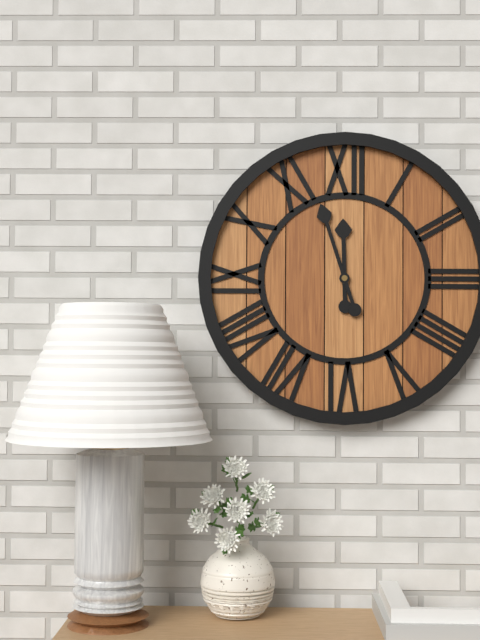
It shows 11,57
